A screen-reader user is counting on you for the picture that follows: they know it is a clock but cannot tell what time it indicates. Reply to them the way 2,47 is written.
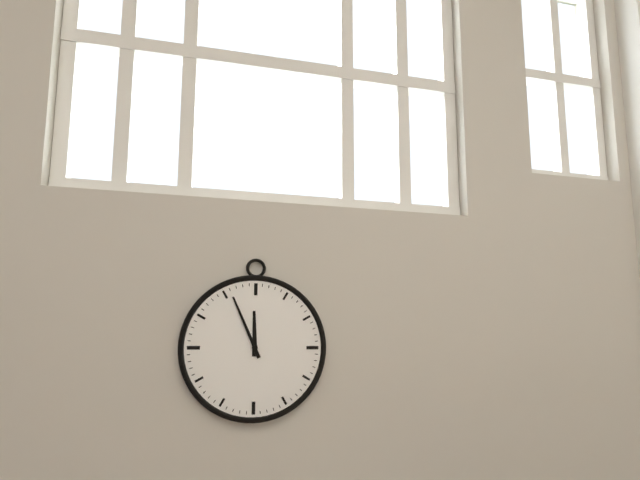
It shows 11,56
